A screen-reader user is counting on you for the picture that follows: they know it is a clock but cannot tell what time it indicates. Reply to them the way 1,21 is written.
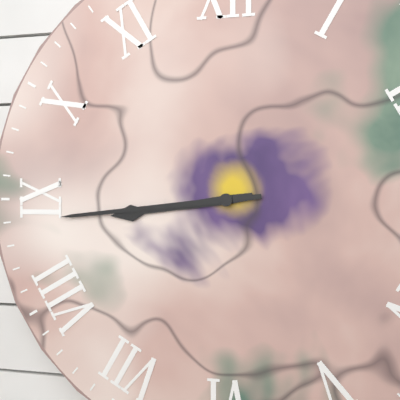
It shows 8,44
